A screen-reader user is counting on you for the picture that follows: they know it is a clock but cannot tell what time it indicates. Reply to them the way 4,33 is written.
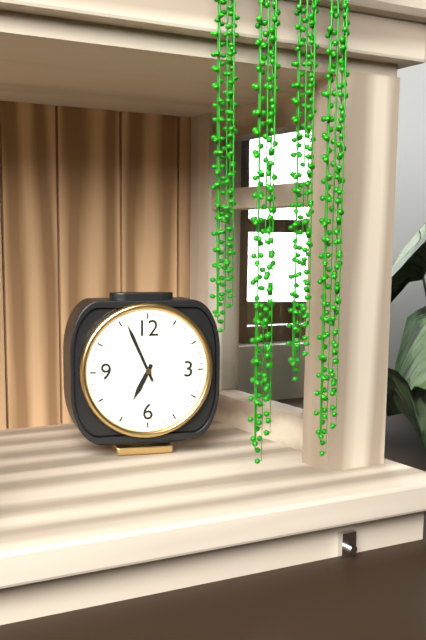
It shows 6,56
